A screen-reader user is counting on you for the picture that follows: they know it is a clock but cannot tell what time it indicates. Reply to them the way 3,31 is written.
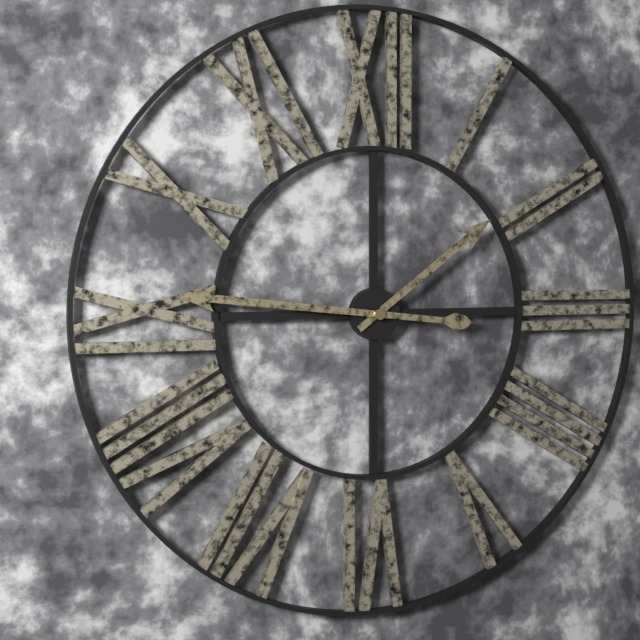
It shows 1,46
